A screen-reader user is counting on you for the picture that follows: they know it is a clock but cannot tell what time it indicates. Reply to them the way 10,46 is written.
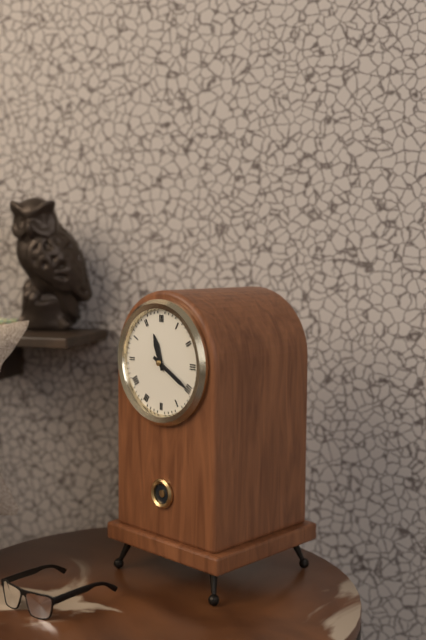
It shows 11,20
